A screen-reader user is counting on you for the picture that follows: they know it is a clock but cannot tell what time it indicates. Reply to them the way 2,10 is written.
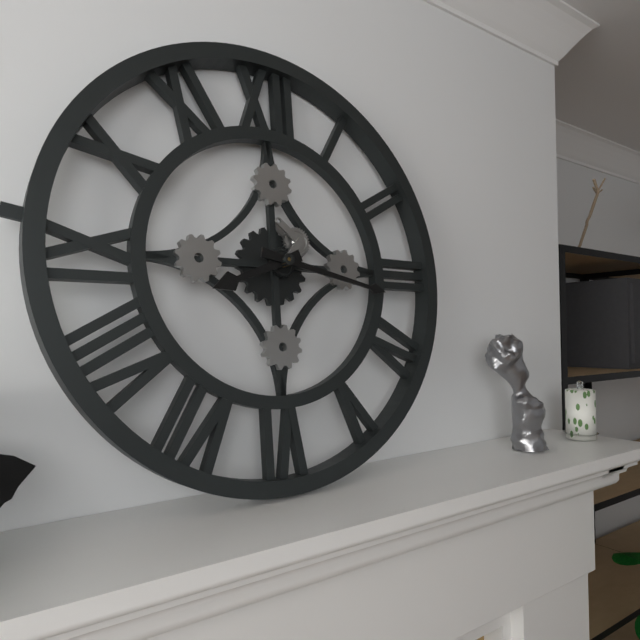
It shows 8,17
